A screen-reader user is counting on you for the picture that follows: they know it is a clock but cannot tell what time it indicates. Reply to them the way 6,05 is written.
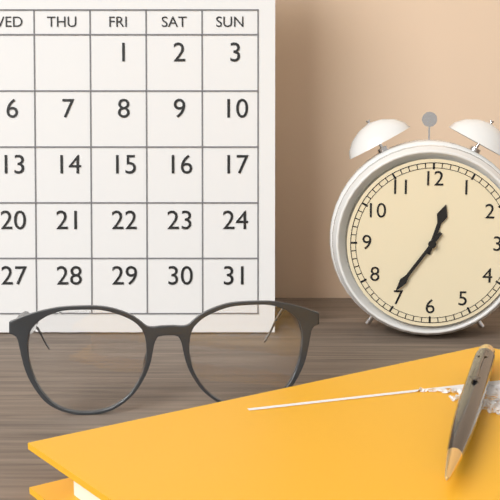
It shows 12,36
